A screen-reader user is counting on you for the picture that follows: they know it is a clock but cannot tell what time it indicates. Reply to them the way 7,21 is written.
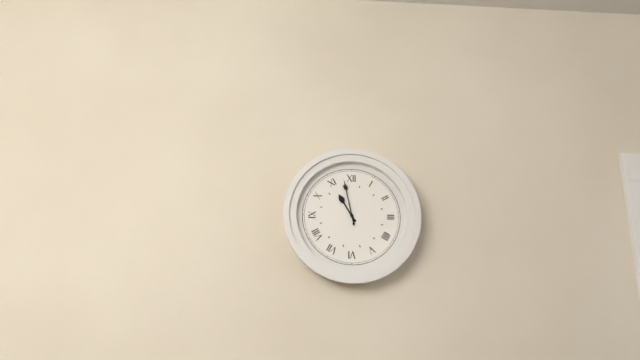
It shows 10,58
